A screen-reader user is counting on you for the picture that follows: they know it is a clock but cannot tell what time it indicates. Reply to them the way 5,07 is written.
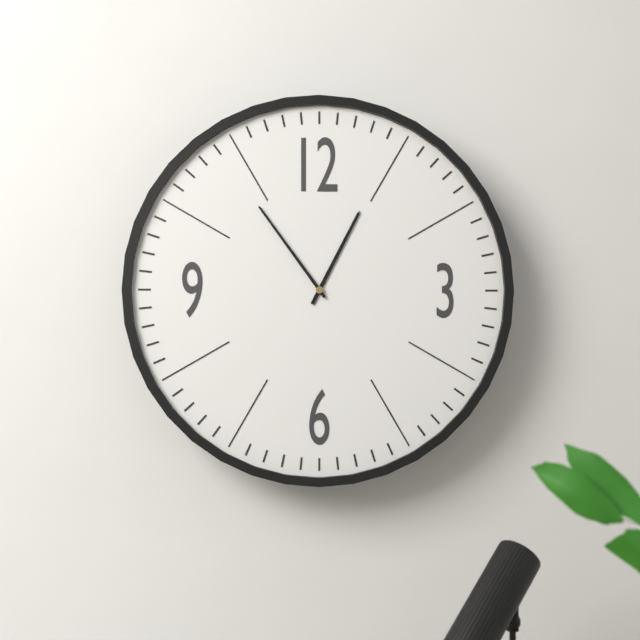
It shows 12,54
